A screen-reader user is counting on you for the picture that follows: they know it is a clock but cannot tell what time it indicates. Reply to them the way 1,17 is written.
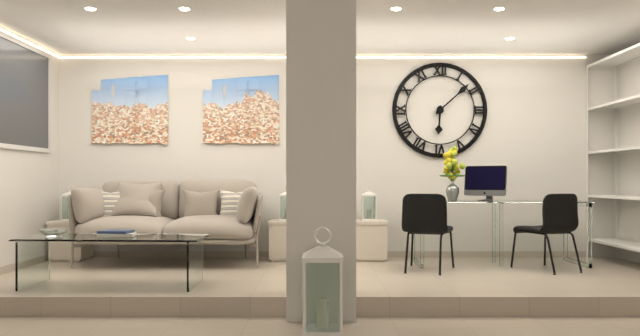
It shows 6,08
